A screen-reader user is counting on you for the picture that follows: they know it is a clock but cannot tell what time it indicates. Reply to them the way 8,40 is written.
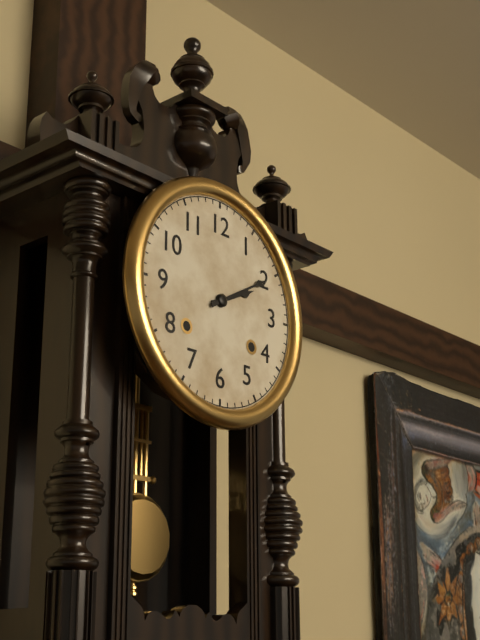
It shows 2,10
